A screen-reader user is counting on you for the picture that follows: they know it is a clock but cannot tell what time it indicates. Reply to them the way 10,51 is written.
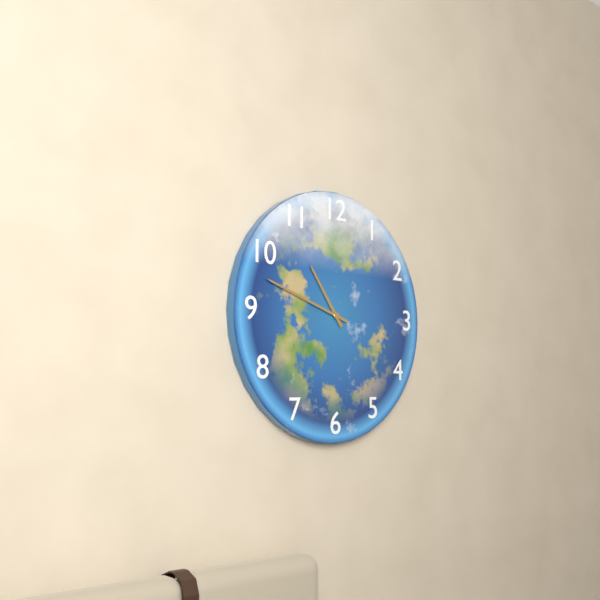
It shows 10,48
